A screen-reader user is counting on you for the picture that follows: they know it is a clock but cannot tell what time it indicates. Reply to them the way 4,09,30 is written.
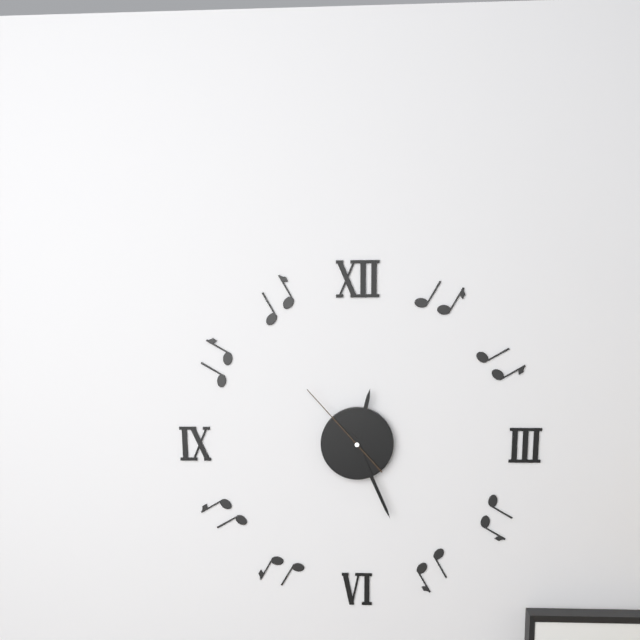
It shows 12,26,53
